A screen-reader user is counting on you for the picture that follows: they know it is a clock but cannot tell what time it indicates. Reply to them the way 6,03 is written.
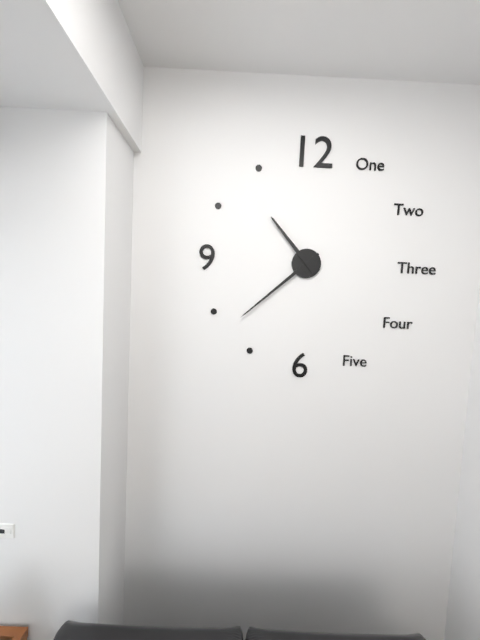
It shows 10,38
